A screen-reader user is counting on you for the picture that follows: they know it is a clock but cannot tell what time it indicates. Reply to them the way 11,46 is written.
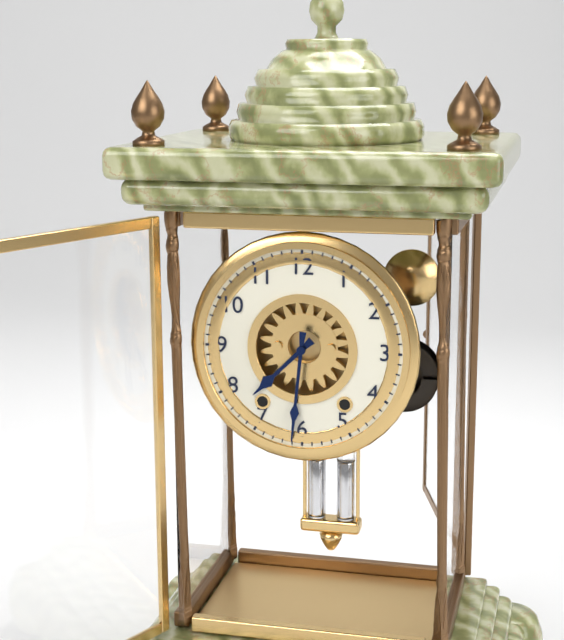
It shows 7,31
